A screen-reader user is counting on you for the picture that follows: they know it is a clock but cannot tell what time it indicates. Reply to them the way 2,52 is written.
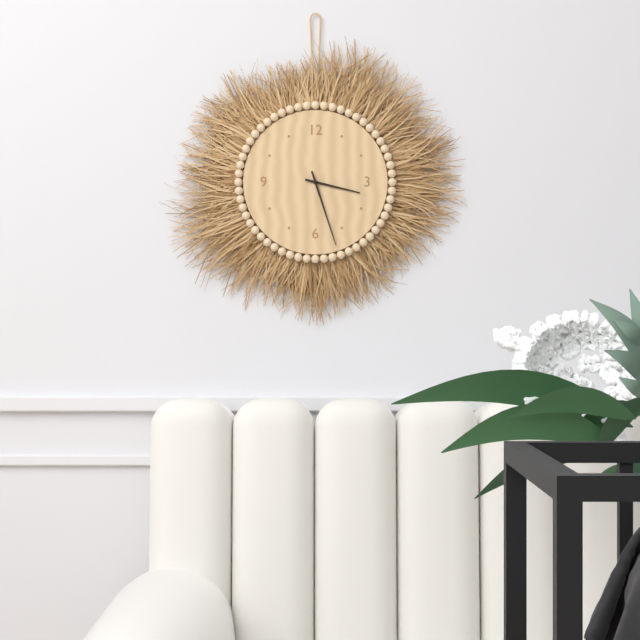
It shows 3,27
